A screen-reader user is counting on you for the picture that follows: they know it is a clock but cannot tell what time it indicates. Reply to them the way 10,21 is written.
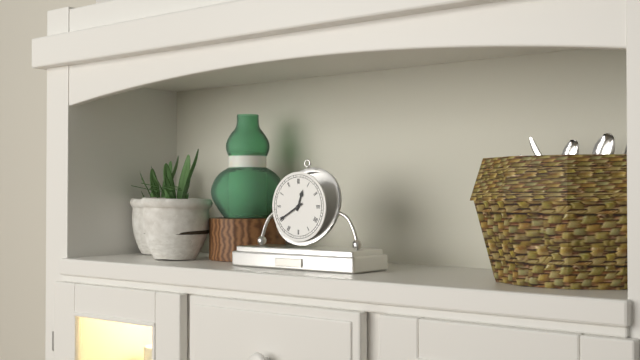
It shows 12,40
